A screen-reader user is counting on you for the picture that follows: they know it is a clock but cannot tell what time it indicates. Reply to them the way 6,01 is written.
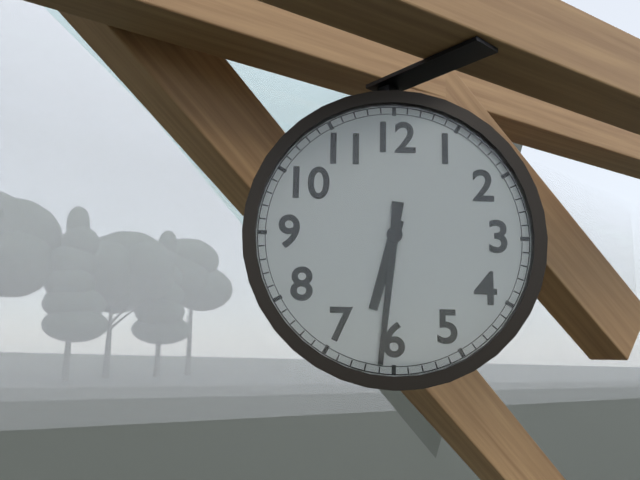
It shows 6,31
